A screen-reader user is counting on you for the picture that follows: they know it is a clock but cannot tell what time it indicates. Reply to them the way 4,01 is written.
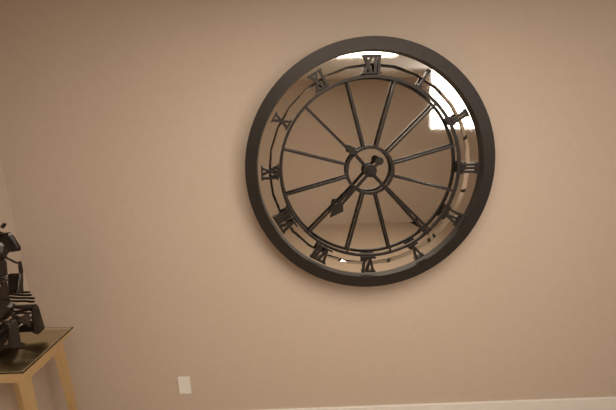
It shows 7,23
